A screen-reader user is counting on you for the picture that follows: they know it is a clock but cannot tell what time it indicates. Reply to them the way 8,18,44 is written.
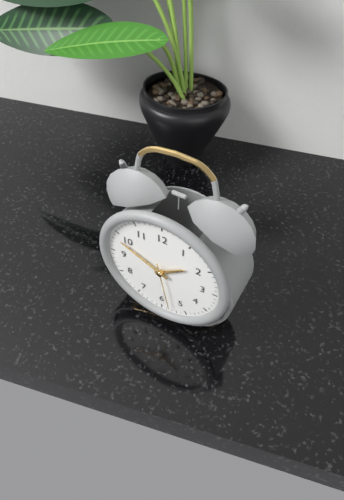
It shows 1,49,28
